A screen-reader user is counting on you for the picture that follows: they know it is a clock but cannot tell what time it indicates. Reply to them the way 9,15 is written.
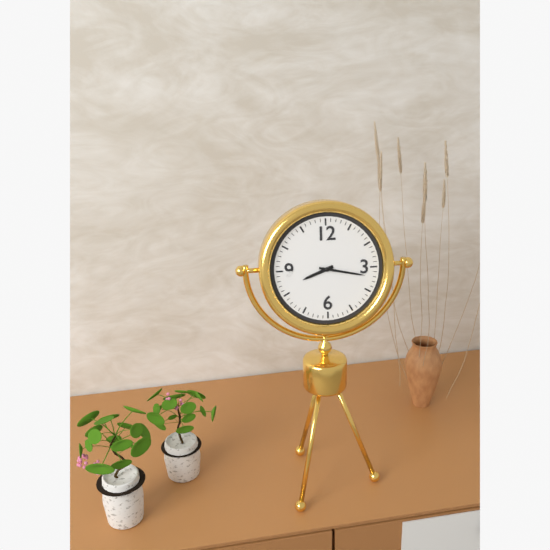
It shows 8,17
